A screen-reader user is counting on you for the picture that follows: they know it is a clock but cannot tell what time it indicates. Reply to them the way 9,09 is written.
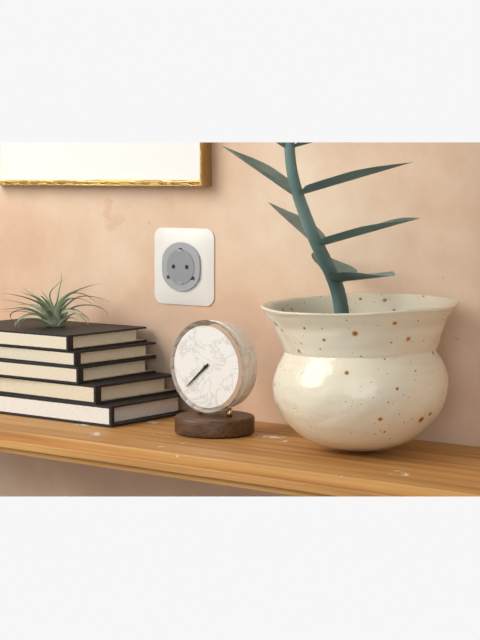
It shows 7,38
